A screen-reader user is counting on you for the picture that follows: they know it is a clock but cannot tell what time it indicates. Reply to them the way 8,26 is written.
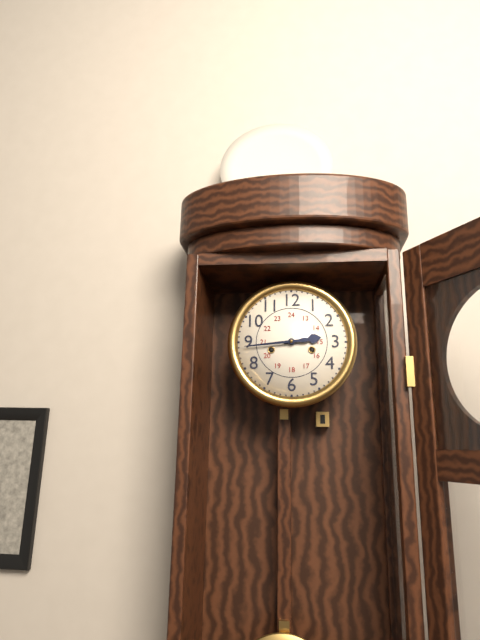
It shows 2,44
